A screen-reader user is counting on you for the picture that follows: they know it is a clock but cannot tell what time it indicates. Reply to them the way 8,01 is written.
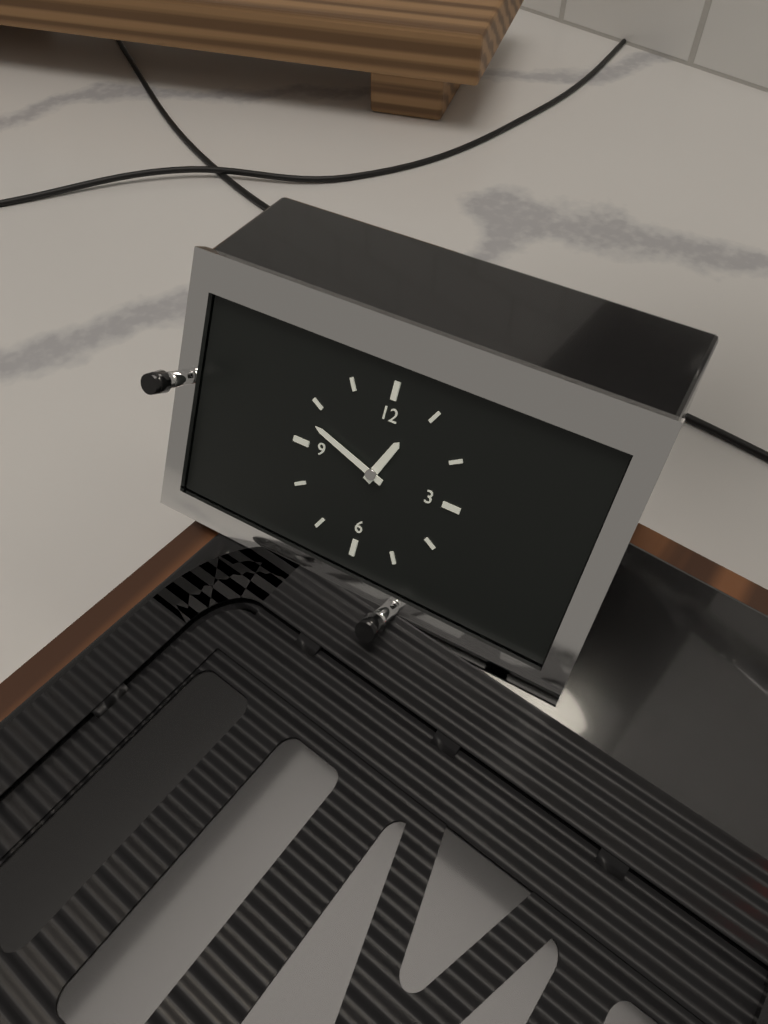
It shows 12,48
